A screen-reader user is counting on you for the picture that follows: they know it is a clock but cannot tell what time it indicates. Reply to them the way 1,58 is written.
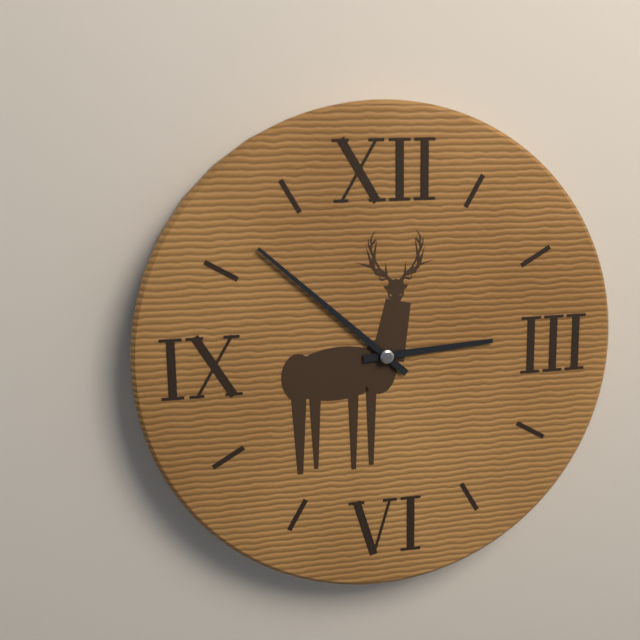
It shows 2,52
